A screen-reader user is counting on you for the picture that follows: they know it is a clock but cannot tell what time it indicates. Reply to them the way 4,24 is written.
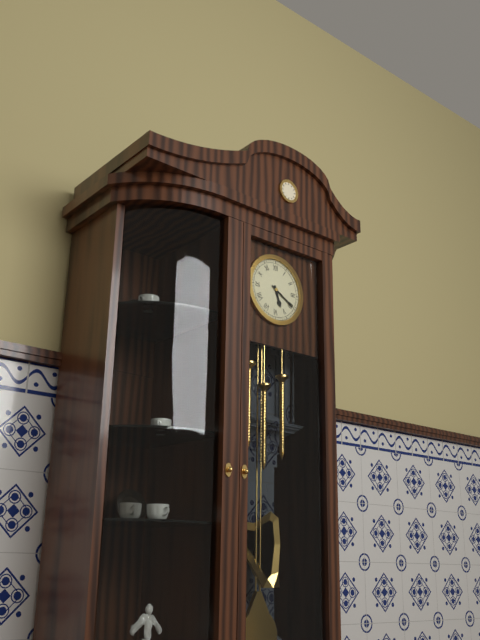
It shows 5,20
